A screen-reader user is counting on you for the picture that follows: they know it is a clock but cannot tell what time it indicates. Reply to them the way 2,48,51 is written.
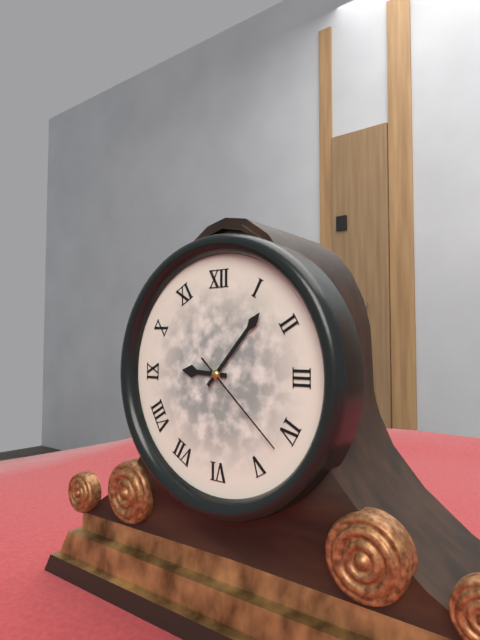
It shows 9,07,22
